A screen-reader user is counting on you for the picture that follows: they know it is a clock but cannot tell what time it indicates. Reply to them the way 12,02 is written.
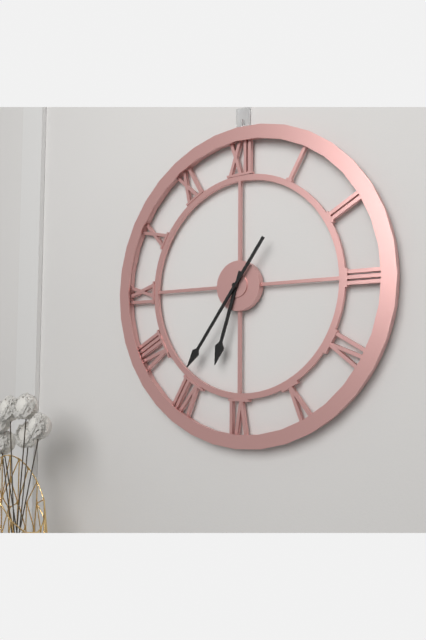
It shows 6,36
